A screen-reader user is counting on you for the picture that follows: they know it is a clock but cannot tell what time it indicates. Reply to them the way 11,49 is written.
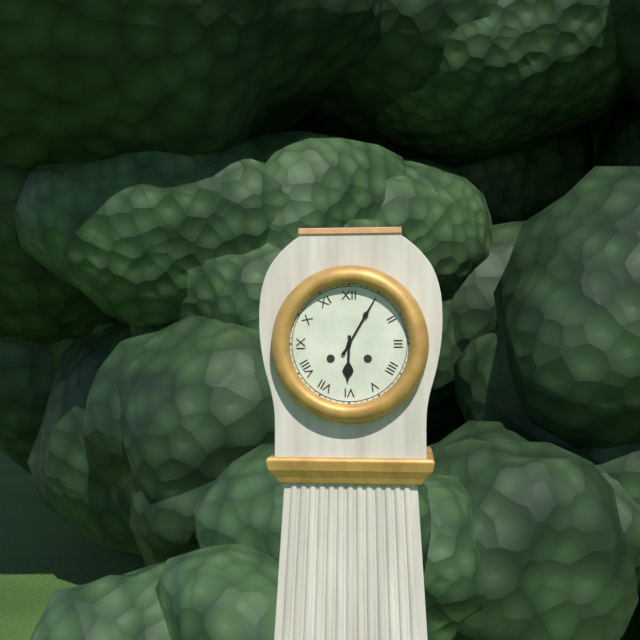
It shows 6,05
